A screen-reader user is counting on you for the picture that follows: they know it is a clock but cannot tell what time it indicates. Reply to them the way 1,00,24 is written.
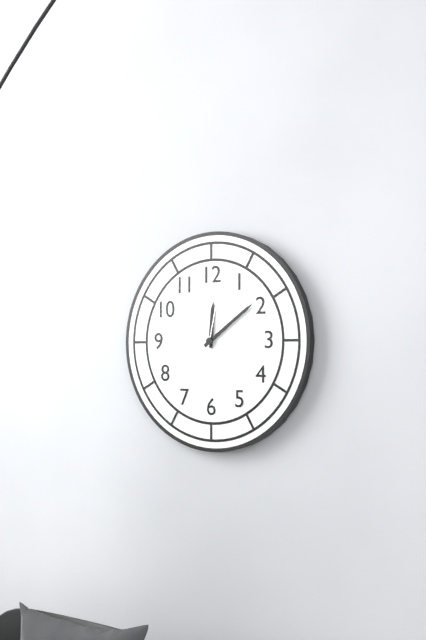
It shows 12,09,02
